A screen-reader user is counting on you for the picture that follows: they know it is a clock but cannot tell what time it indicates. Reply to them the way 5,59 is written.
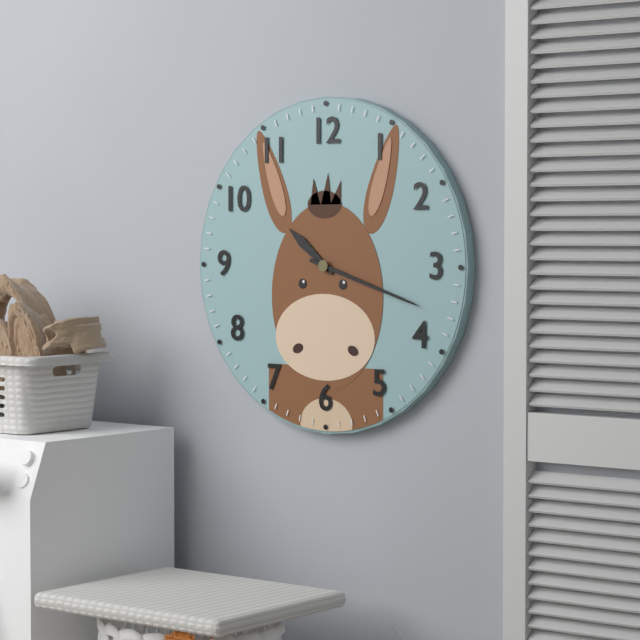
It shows 10,18
